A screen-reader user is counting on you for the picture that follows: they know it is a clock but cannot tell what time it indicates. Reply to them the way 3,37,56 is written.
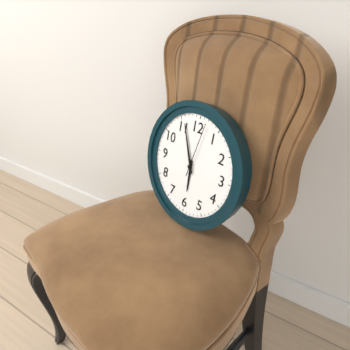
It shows 5,56,02
